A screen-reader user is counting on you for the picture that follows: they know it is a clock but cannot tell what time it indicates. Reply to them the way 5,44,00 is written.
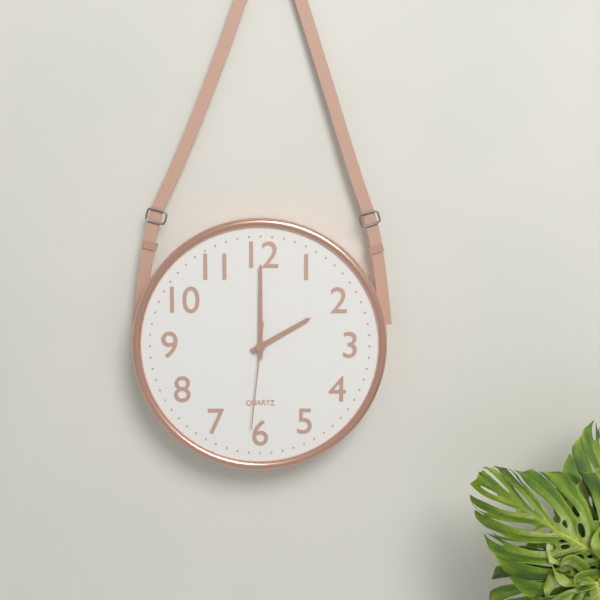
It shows 2,00,31
